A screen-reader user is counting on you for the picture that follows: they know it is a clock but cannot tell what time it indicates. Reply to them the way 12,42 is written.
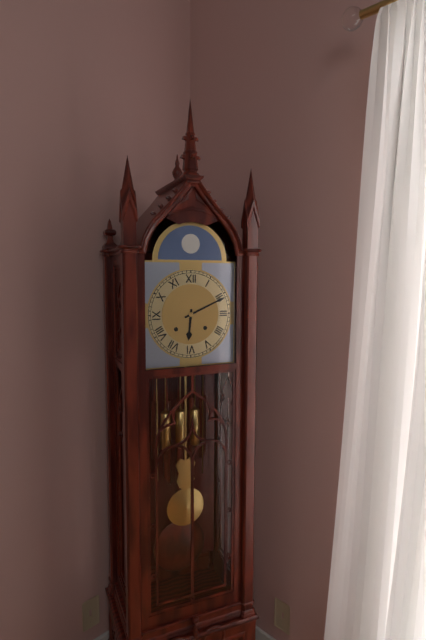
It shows 6,11
